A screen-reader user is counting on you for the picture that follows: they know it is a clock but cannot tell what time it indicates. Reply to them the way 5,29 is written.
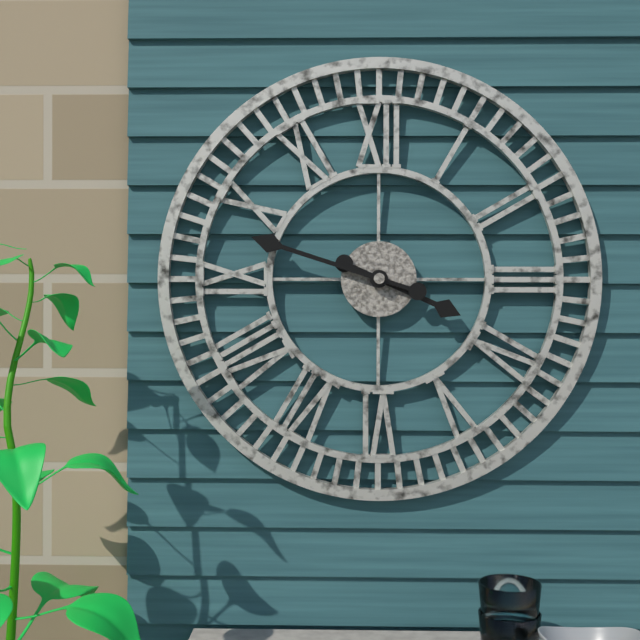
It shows 3,48
